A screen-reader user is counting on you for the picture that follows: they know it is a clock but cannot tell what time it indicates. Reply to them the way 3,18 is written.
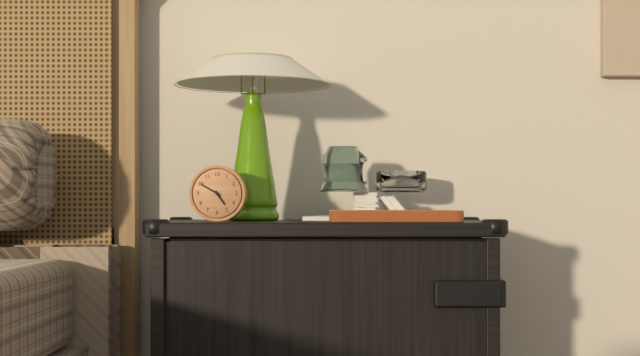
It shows 4,50
